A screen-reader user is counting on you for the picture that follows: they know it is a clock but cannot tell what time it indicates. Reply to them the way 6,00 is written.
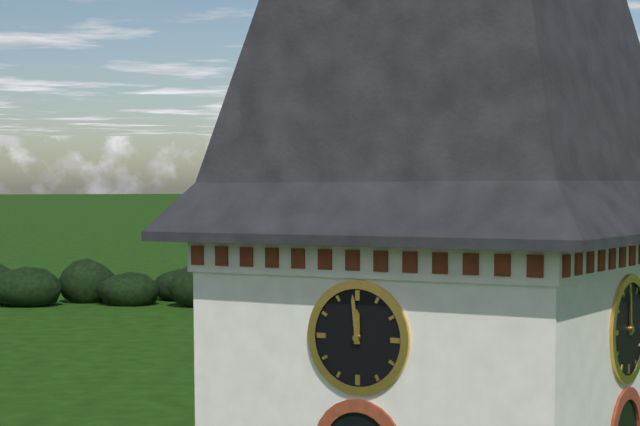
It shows 11,59
